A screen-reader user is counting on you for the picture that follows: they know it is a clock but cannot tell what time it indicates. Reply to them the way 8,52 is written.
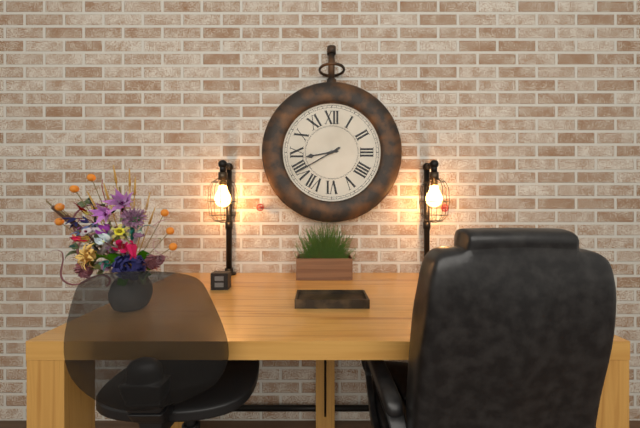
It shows 8,40
